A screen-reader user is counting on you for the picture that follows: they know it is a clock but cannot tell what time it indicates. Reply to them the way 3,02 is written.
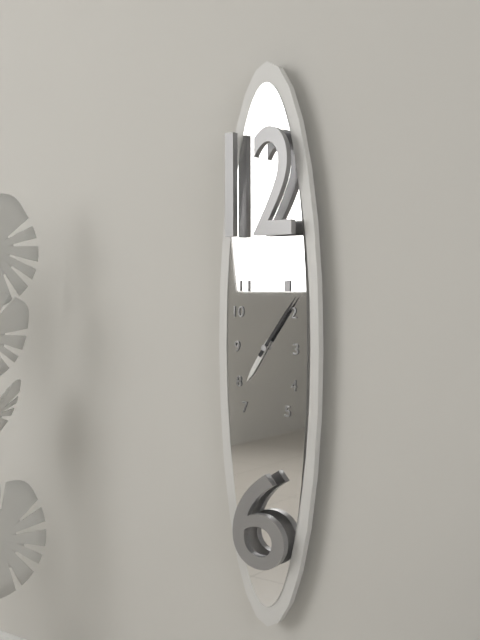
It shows 7,06
